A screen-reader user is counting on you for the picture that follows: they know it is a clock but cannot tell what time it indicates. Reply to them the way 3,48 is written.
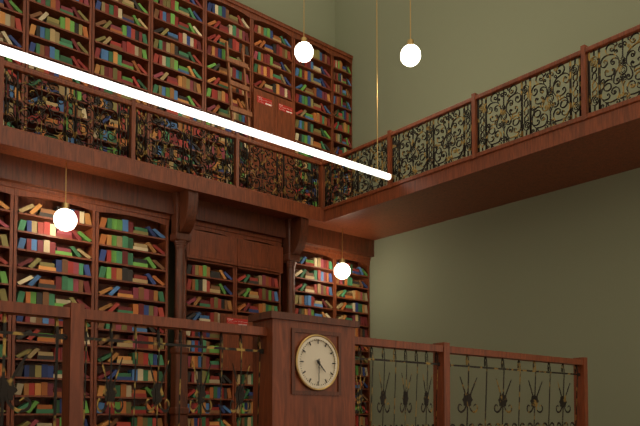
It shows 4,30
